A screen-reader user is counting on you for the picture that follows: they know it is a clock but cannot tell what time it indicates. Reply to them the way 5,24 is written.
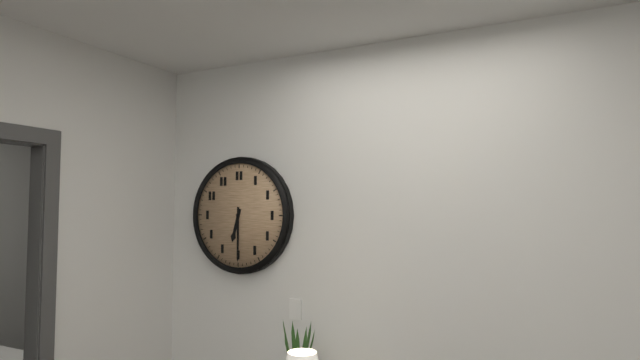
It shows 6,30
